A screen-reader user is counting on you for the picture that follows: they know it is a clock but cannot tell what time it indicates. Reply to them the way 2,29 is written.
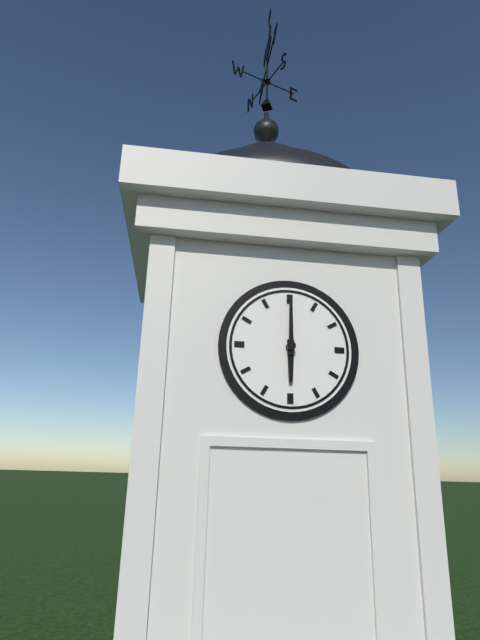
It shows 6,00
